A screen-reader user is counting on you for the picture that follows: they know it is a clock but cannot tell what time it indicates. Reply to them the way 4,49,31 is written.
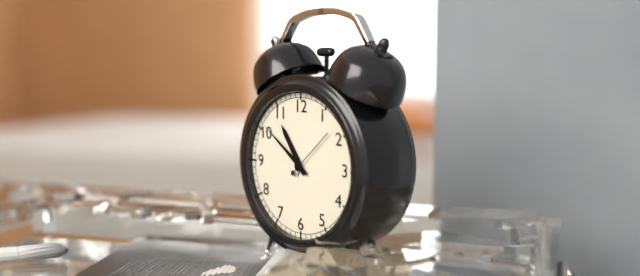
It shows 10,51,08
